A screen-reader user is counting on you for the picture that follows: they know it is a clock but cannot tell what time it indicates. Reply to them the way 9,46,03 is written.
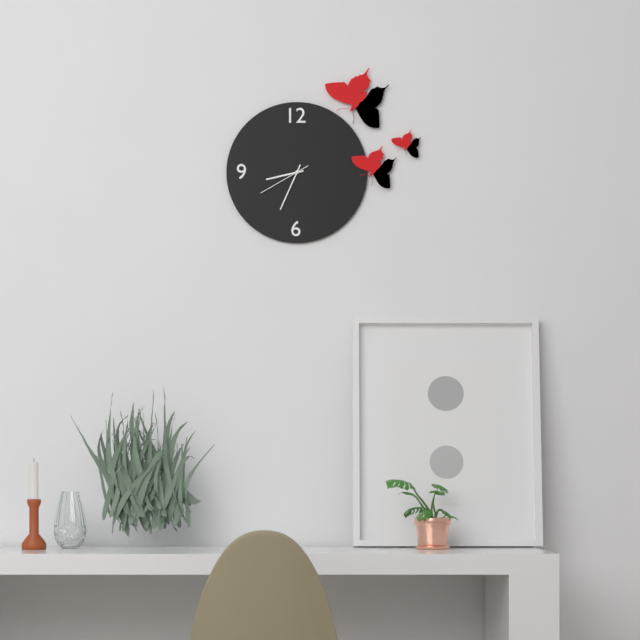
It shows 8,34,40
